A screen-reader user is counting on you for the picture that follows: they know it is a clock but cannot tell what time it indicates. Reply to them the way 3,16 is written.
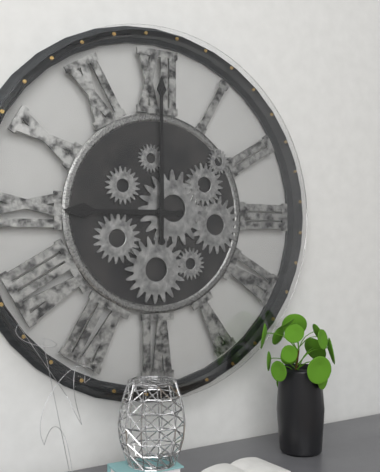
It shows 9,00
